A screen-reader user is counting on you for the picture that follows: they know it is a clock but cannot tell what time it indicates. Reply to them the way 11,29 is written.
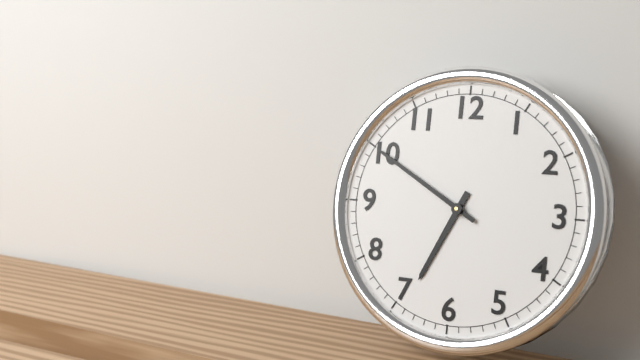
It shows 6,50
